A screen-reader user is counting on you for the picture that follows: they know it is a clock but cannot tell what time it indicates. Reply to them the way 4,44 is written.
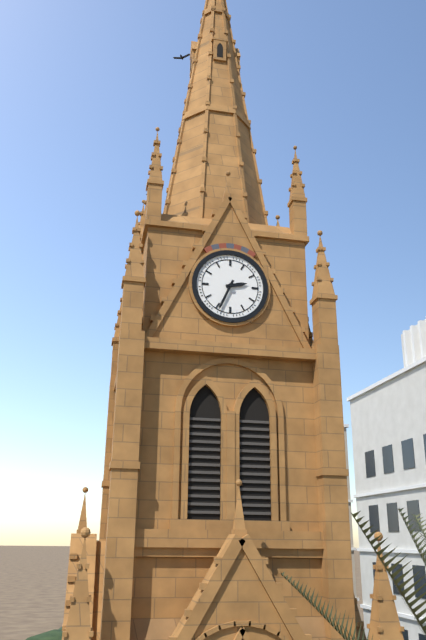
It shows 2,34
